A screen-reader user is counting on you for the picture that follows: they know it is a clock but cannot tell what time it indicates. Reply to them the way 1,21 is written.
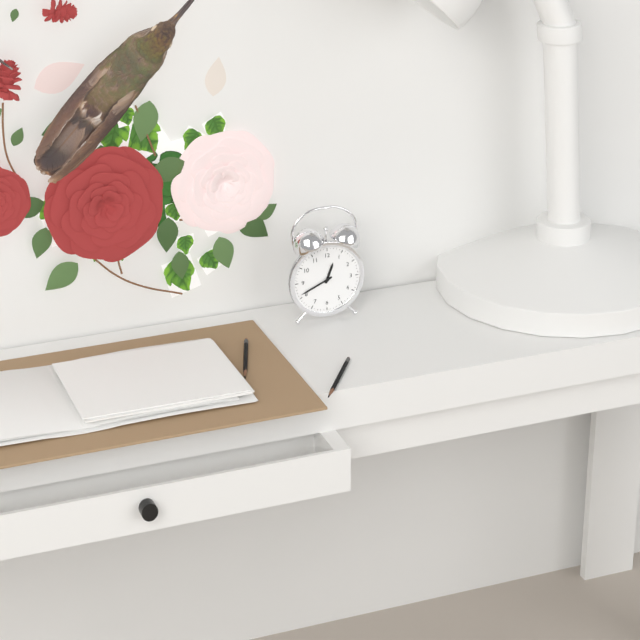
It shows 12,41
